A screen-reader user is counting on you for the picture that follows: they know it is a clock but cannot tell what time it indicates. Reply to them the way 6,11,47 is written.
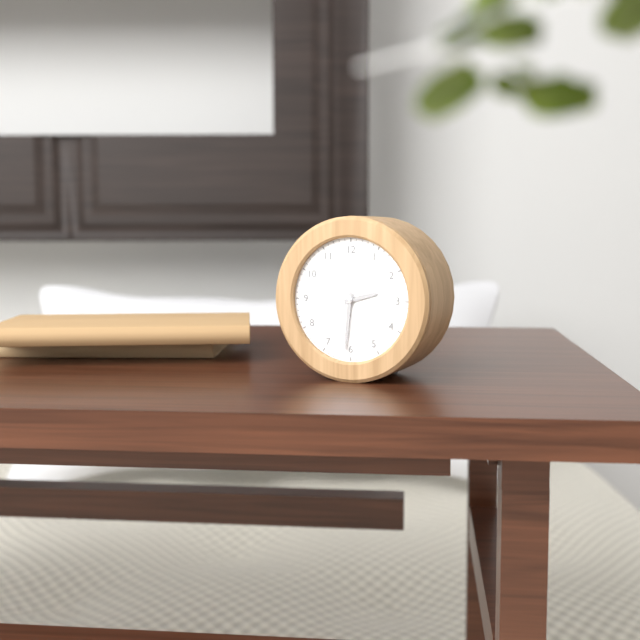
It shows 2,31,07
